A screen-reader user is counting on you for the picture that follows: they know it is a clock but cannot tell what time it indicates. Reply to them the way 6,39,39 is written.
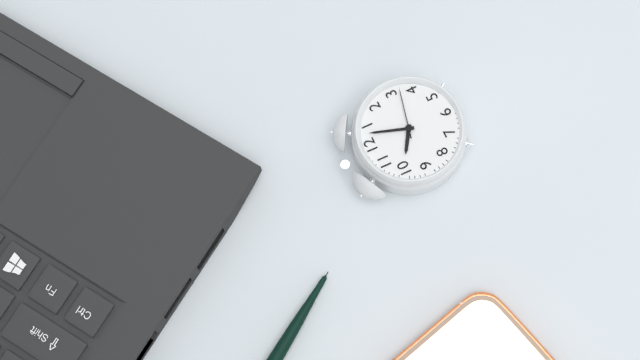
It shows 10,03,17
